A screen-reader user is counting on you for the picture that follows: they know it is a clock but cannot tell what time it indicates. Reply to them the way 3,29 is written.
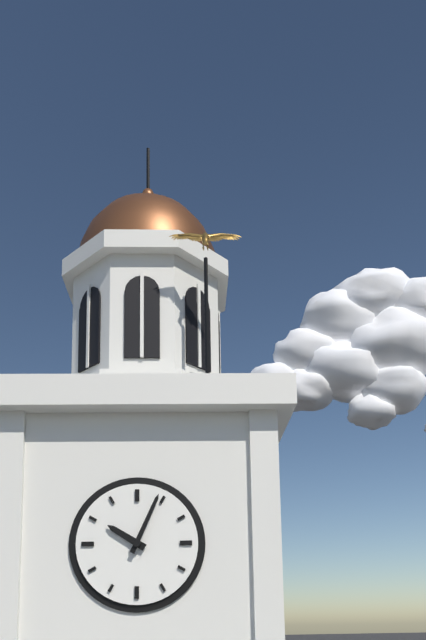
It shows 10,04
